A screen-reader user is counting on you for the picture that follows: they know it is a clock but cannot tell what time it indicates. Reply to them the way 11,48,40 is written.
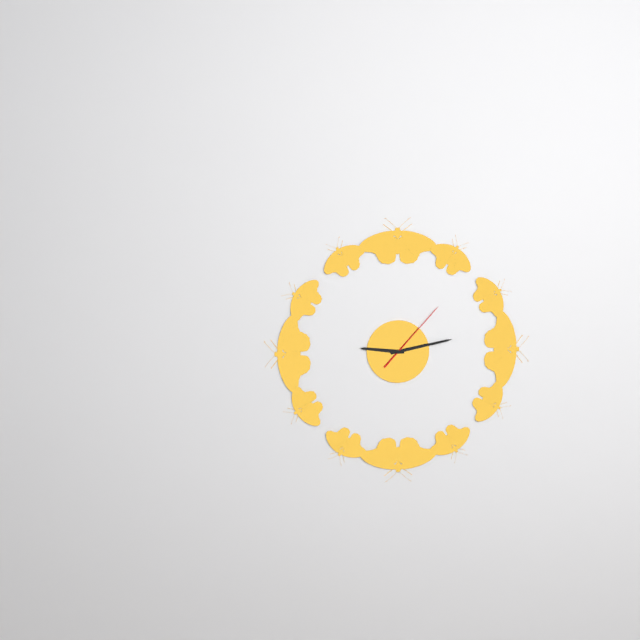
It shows 9,13,07
